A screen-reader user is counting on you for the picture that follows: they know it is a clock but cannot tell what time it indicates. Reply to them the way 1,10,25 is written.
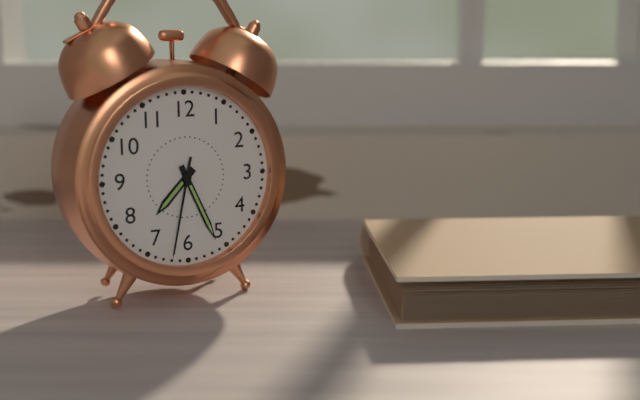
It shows 7,26,32
